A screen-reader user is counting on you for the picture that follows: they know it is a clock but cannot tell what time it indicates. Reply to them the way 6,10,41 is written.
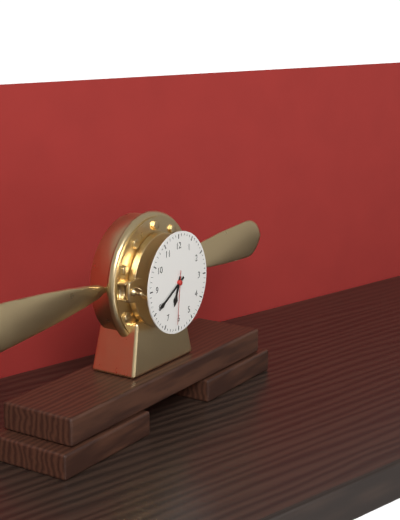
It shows 6,40,31
